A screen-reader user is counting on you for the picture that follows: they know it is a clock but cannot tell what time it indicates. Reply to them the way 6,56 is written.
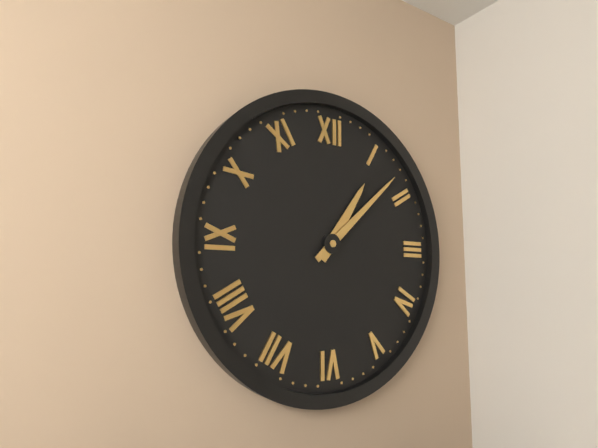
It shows 1,08
